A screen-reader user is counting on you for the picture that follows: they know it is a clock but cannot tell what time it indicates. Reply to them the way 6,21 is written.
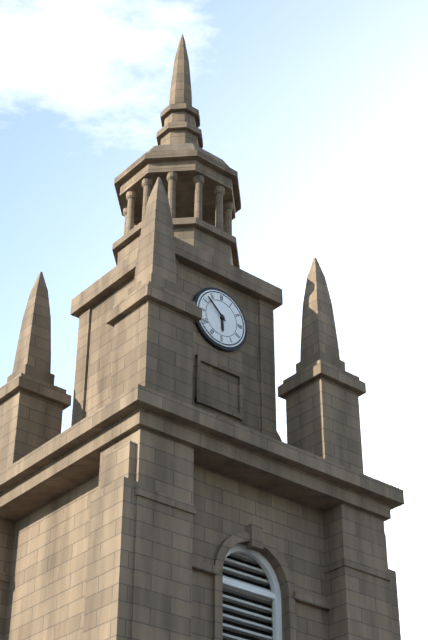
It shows 5,52
